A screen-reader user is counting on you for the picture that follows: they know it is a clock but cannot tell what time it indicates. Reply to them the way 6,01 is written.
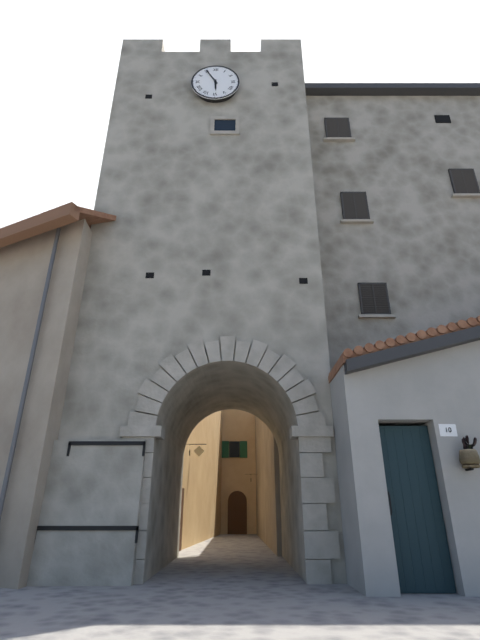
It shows 5,55
